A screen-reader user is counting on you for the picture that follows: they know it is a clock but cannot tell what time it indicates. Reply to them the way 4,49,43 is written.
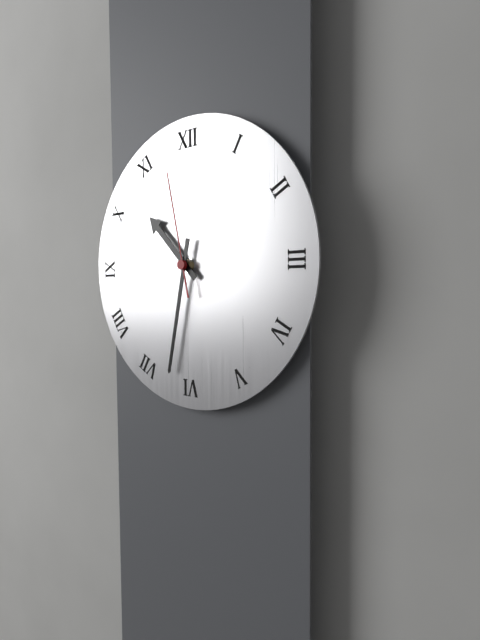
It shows 10,32,58
